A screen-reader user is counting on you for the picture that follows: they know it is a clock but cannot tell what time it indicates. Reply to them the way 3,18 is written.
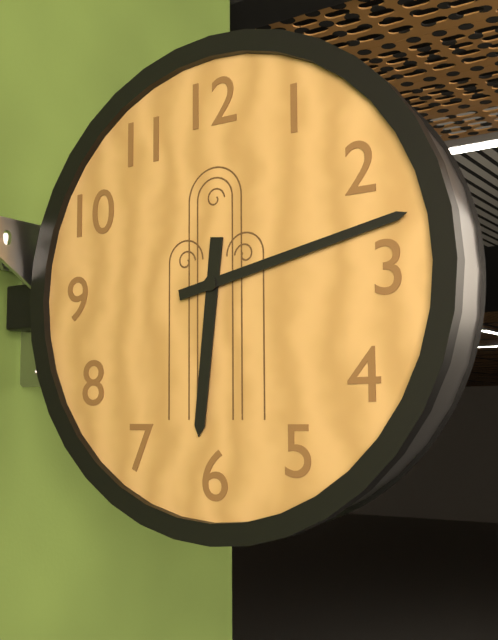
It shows 6,13
